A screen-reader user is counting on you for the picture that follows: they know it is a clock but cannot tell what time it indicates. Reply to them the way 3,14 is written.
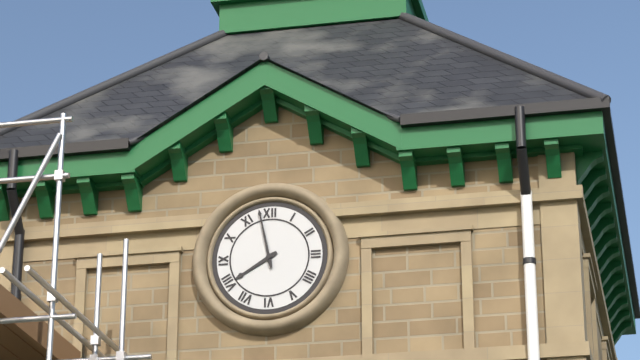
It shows 7,58
